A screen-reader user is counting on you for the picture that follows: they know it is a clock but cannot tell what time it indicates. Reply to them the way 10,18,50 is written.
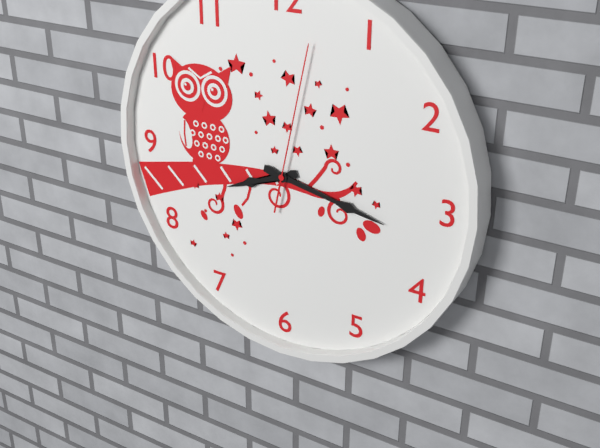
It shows 8,17,02
